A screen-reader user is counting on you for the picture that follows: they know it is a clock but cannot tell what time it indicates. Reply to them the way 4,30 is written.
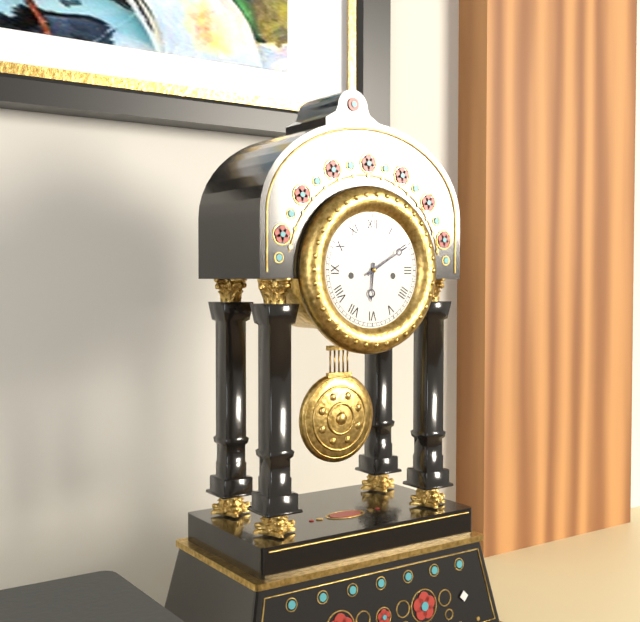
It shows 6,10
